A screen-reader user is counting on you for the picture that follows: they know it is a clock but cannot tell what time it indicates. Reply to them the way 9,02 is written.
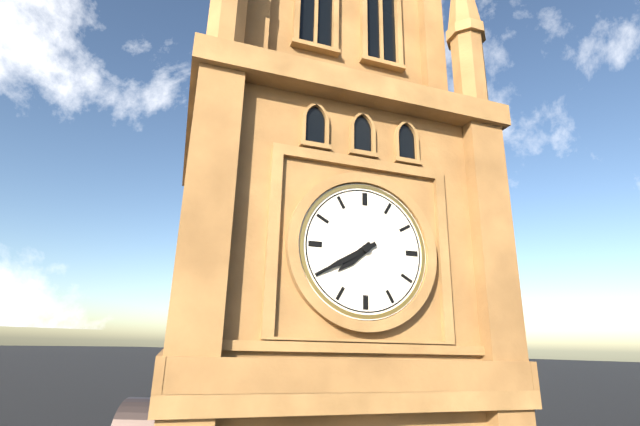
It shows 7,40
